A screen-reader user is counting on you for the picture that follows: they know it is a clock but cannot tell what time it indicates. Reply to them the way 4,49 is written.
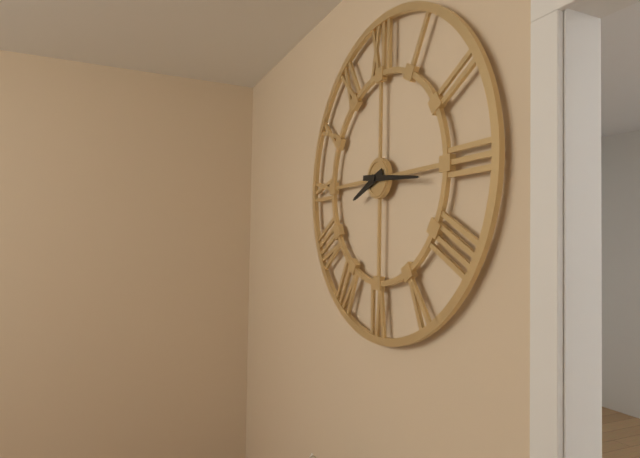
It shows 8,16
